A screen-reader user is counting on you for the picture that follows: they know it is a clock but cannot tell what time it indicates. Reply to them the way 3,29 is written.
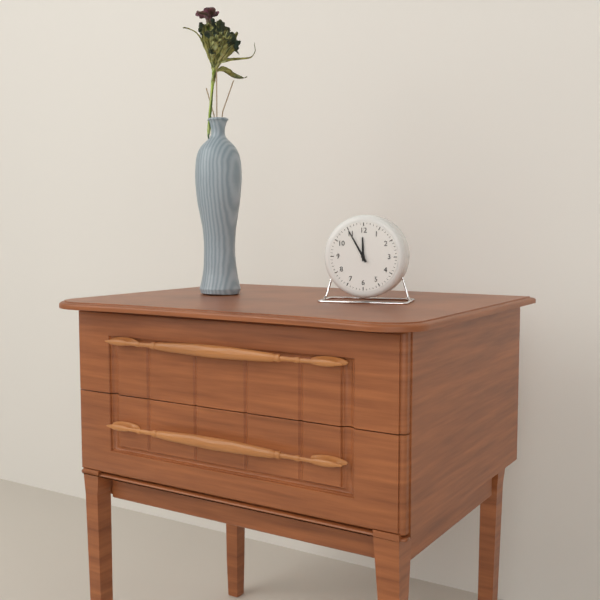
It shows 11,55
